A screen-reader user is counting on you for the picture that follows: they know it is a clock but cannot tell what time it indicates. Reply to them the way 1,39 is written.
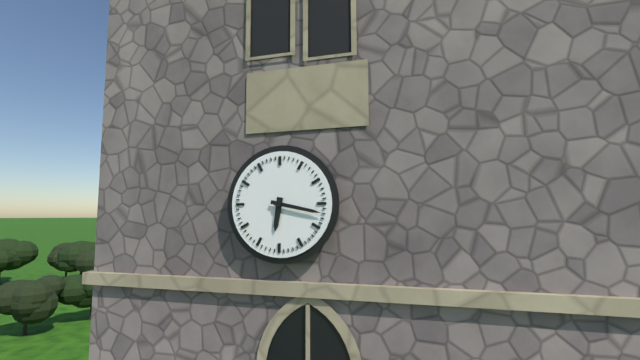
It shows 6,17
